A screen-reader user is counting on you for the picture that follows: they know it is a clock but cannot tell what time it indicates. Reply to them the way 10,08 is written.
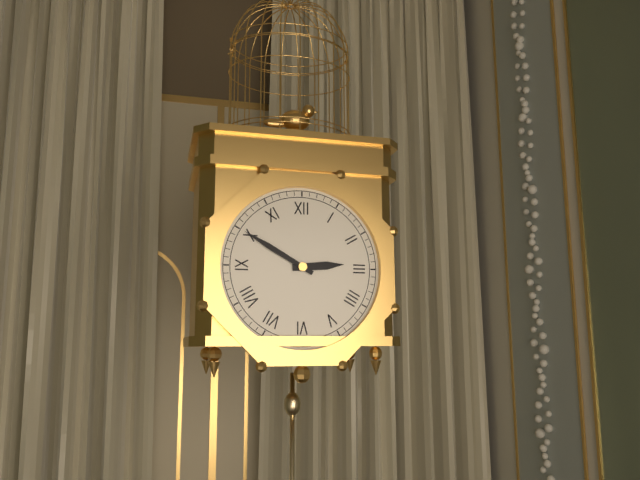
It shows 2,50
